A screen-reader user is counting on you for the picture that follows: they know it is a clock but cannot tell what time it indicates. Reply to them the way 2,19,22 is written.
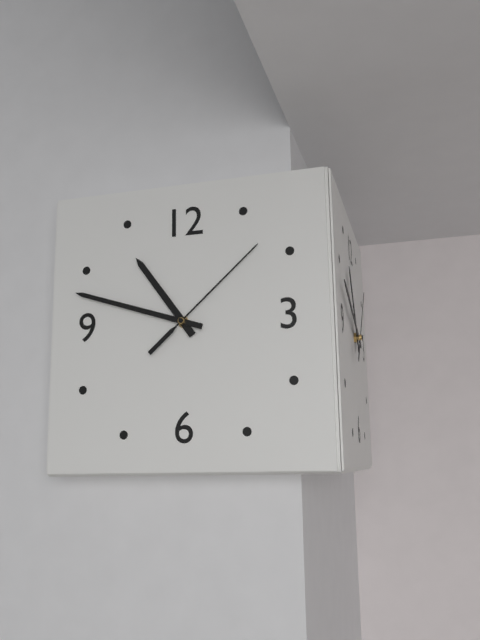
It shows 10,48,08
